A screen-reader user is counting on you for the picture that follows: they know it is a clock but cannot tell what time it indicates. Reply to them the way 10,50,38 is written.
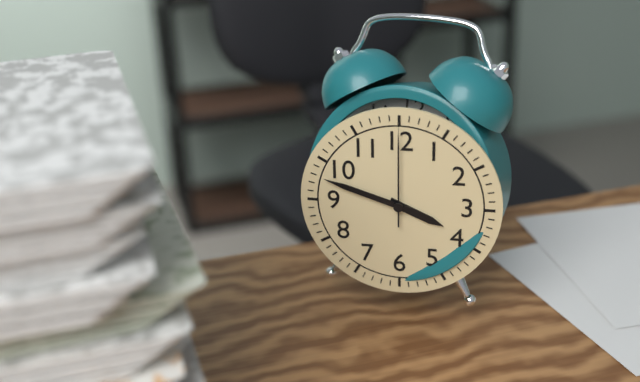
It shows 3,48,00
